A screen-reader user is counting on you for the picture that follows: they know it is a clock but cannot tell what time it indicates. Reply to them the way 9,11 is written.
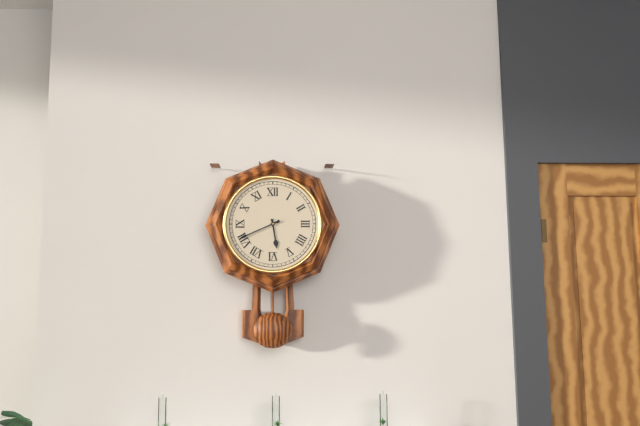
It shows 5,41
